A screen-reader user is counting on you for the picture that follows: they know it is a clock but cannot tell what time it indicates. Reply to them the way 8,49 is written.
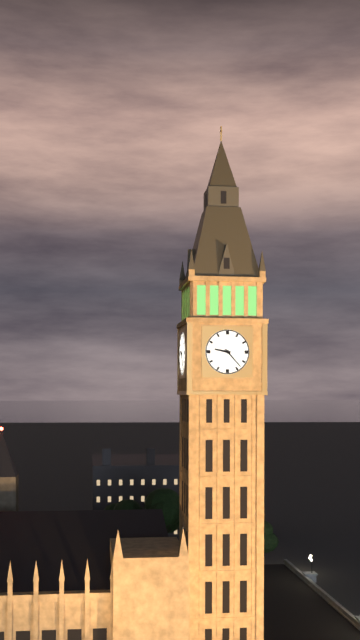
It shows 9,23
